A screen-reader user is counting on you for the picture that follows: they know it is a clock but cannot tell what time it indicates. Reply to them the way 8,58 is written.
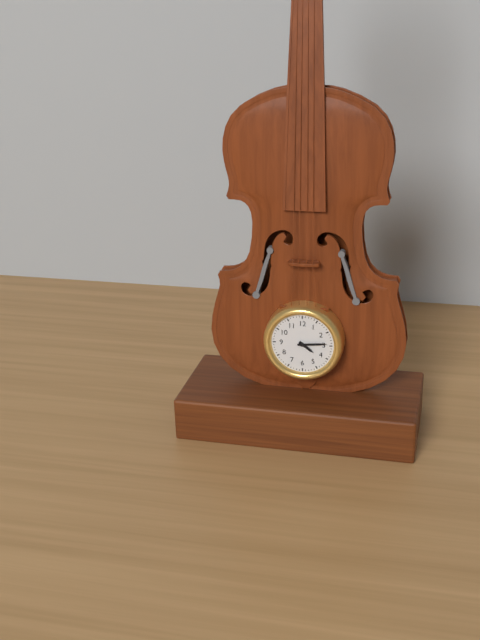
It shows 4,14
